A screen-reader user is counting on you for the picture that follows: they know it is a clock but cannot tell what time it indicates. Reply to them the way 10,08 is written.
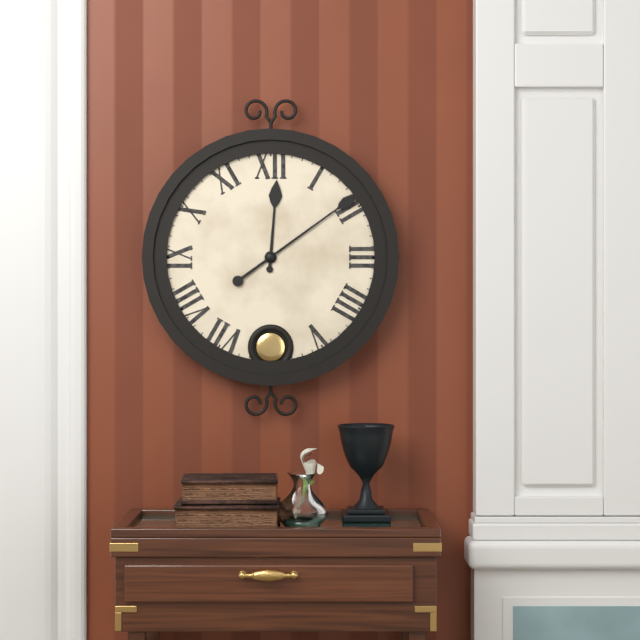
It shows 12,09
